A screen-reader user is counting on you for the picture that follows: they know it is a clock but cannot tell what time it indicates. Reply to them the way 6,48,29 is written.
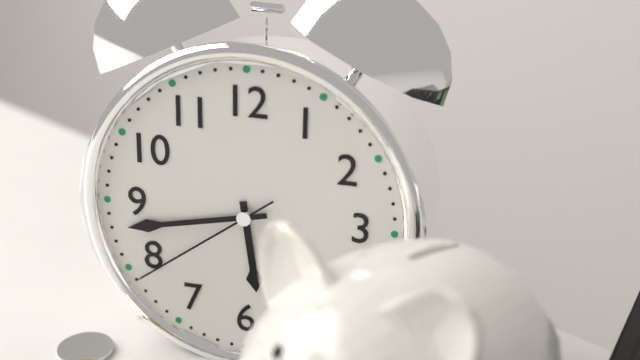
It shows 5,43,39
